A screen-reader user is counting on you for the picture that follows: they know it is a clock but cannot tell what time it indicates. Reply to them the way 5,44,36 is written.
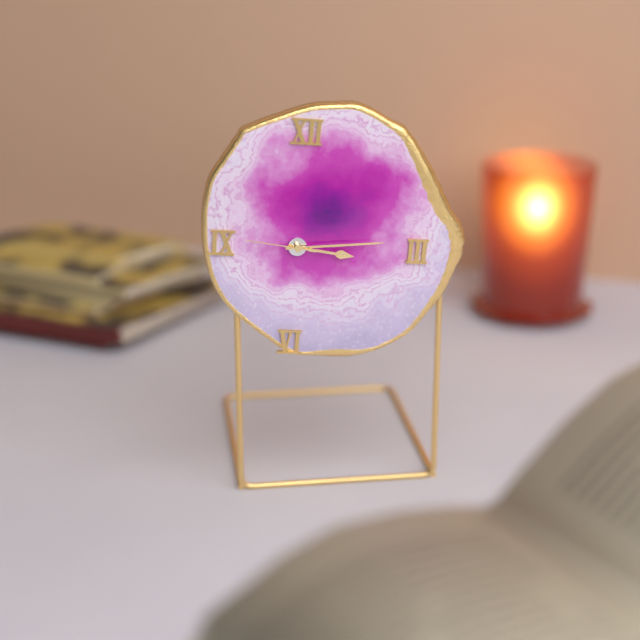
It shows 3,14,46
